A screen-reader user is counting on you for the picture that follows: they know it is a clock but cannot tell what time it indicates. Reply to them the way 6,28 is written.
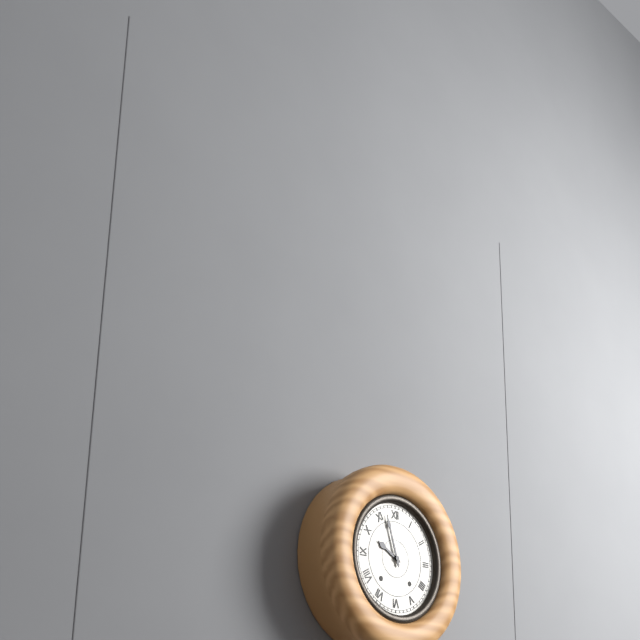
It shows 9,57
